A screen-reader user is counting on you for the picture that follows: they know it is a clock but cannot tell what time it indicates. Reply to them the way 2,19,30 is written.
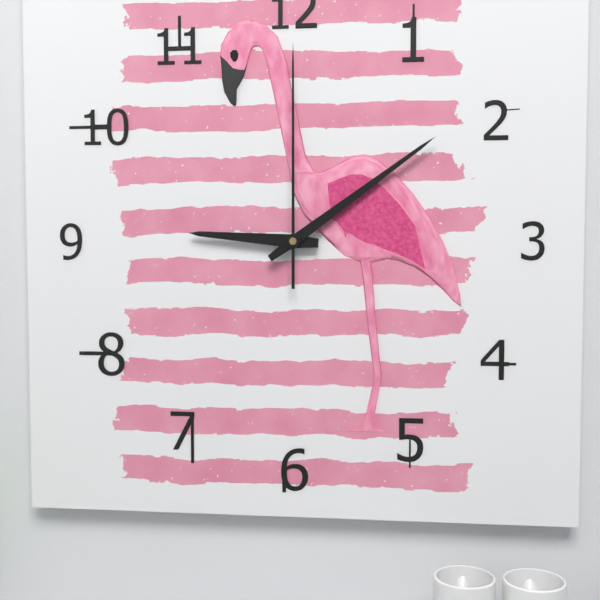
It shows 9,09,00
